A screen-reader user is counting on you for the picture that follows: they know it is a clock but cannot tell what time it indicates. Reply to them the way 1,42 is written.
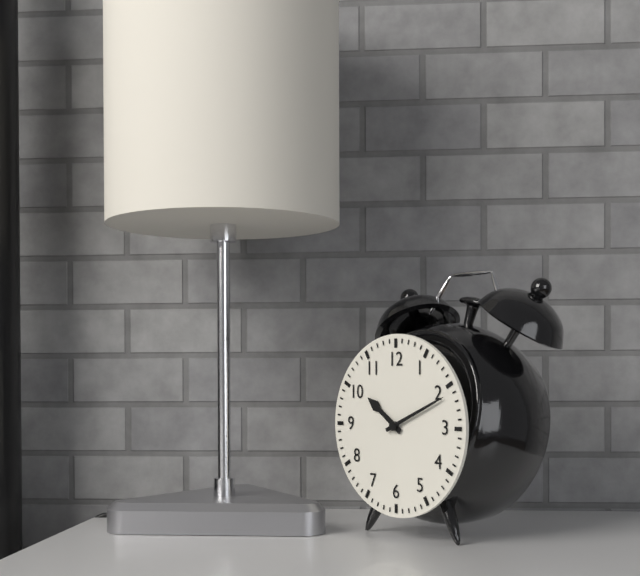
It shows 10,11
